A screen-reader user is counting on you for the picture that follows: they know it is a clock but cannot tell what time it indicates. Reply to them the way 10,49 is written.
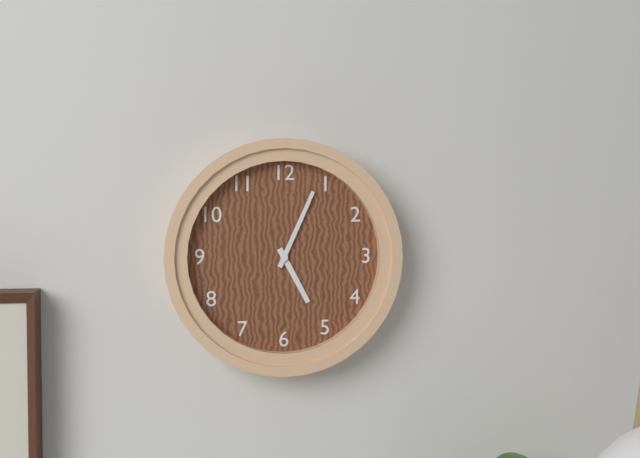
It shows 5,04
